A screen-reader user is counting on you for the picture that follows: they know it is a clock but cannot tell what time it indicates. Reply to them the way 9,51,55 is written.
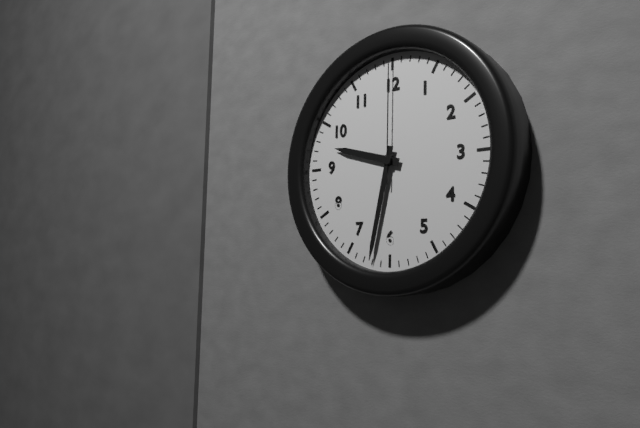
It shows 9,32,00
